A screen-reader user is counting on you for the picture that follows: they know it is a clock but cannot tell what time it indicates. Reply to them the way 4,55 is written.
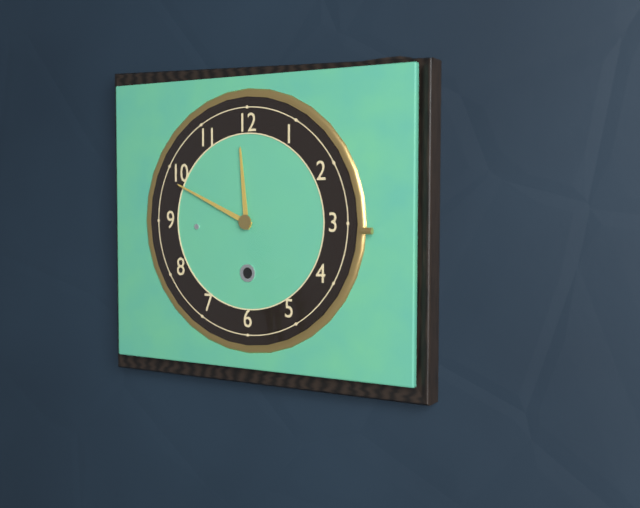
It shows 11,49
